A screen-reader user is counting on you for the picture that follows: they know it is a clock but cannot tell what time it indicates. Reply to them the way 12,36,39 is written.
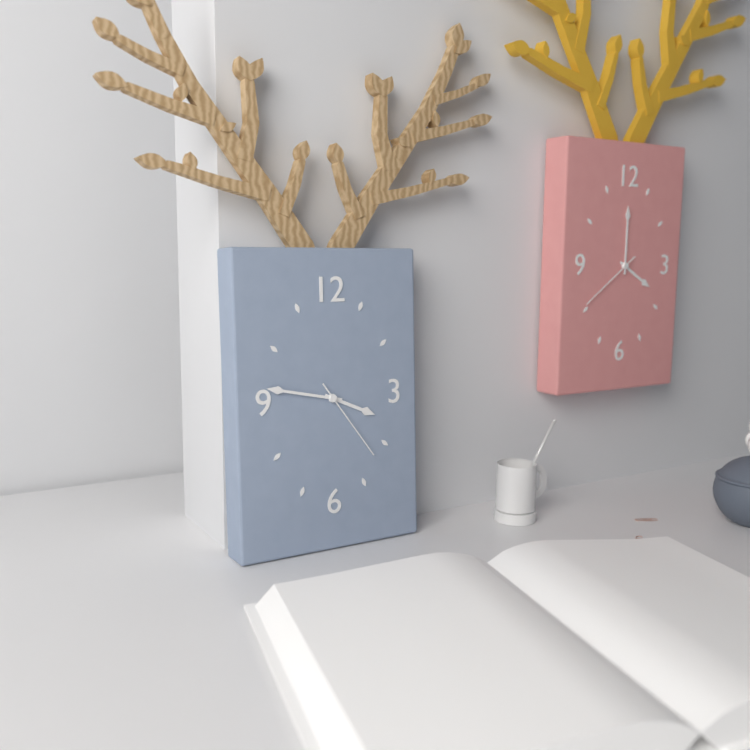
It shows 3,47,24
